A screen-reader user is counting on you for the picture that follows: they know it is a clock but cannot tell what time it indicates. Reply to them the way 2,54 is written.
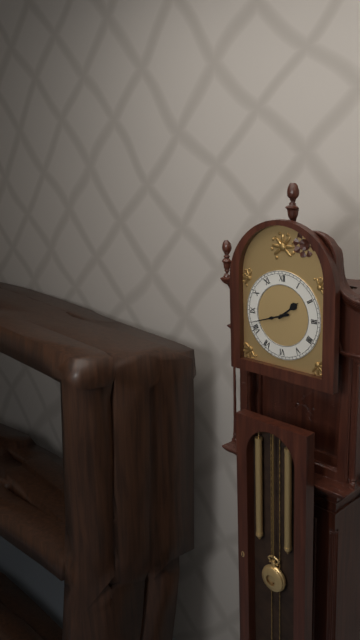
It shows 1,42
